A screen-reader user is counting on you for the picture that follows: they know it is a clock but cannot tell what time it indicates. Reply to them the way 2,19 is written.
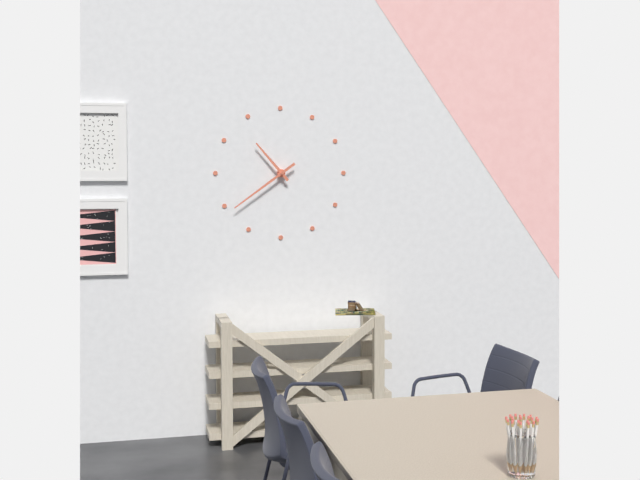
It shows 10,39
